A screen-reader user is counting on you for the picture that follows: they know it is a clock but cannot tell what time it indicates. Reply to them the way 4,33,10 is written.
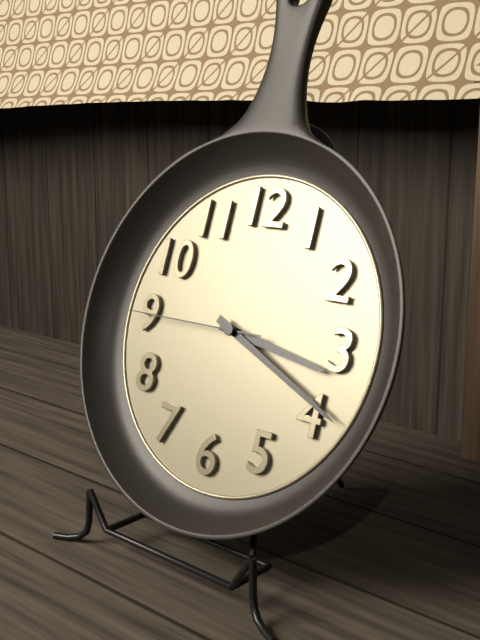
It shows 3,19,45
